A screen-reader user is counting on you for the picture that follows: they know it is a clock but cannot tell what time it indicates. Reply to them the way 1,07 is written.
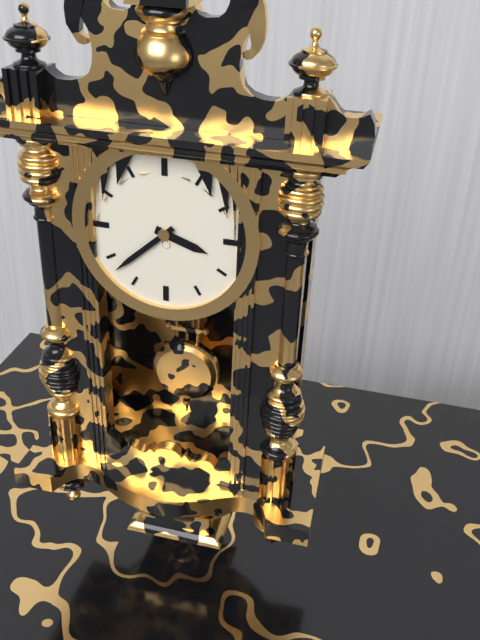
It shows 3,38
